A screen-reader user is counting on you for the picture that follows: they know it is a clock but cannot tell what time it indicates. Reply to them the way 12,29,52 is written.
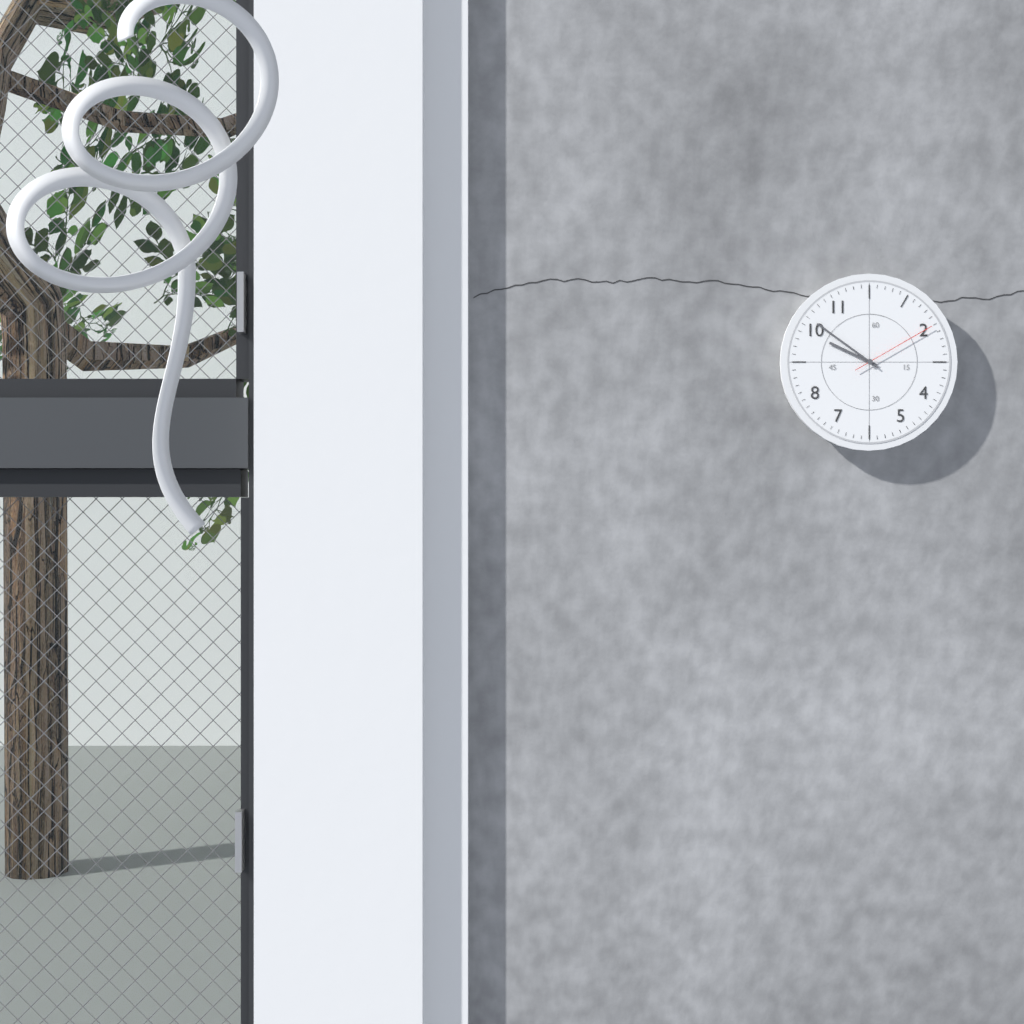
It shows 9,51,10
